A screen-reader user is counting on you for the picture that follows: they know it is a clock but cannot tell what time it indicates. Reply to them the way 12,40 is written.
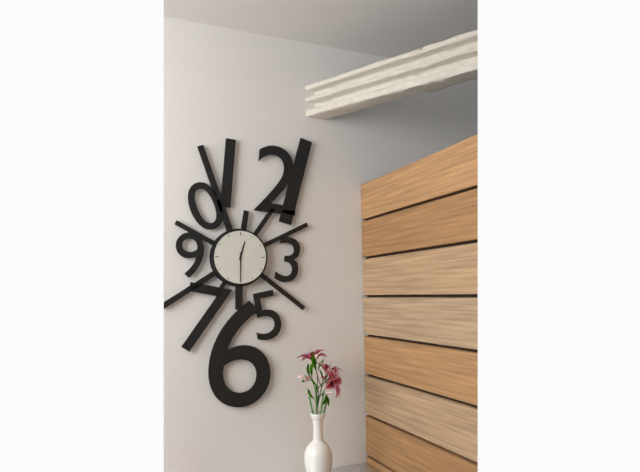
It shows 12,30
